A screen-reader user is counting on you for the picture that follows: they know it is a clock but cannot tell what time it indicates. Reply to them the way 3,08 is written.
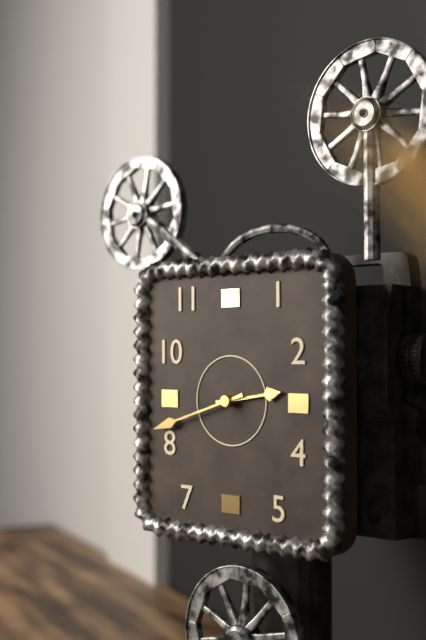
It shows 2,42
